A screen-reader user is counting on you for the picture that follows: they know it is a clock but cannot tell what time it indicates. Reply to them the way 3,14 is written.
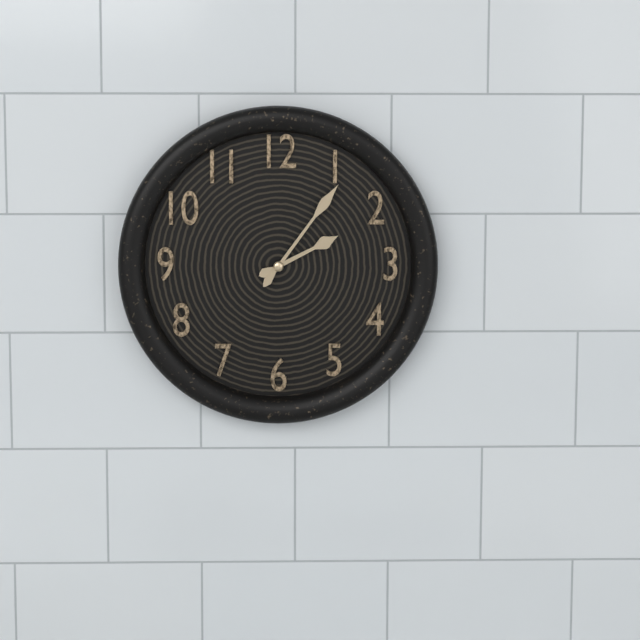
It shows 2,06
